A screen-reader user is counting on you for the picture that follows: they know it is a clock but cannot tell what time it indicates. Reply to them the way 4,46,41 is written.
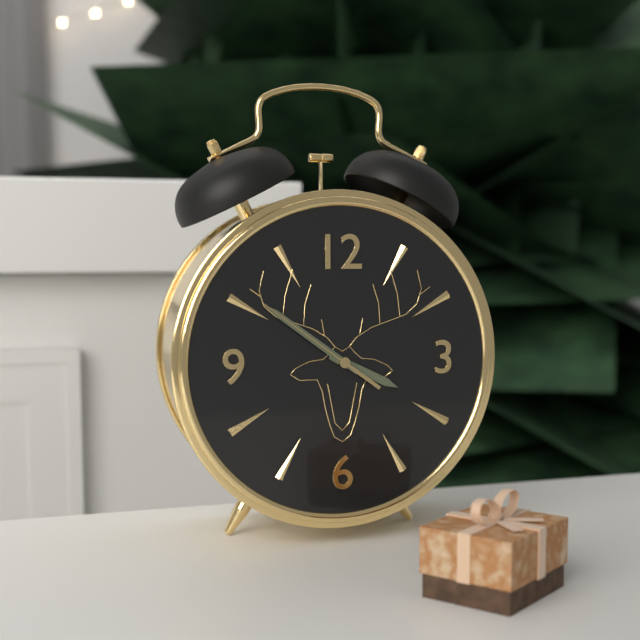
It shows 3,51,51
